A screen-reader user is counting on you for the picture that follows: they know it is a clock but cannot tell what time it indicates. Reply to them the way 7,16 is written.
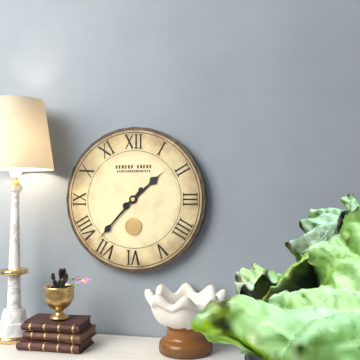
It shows 1,37
